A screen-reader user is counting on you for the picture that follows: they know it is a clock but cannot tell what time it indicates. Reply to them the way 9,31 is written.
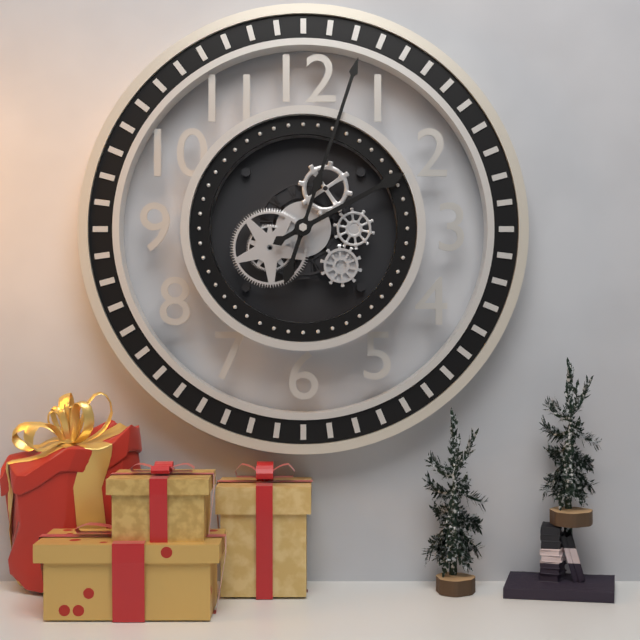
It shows 2,03
